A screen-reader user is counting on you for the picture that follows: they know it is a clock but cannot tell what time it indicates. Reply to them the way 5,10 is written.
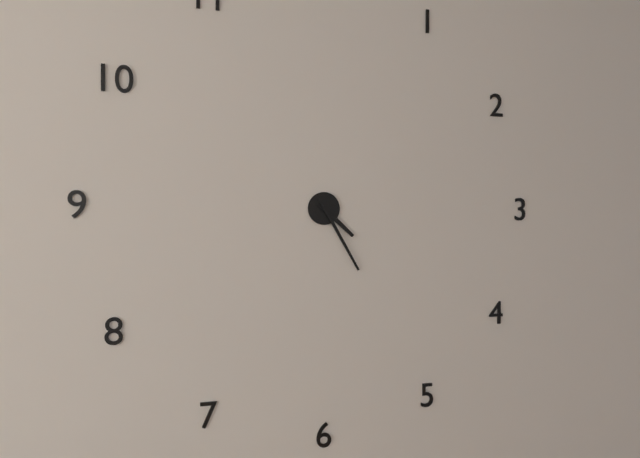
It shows 4,25
